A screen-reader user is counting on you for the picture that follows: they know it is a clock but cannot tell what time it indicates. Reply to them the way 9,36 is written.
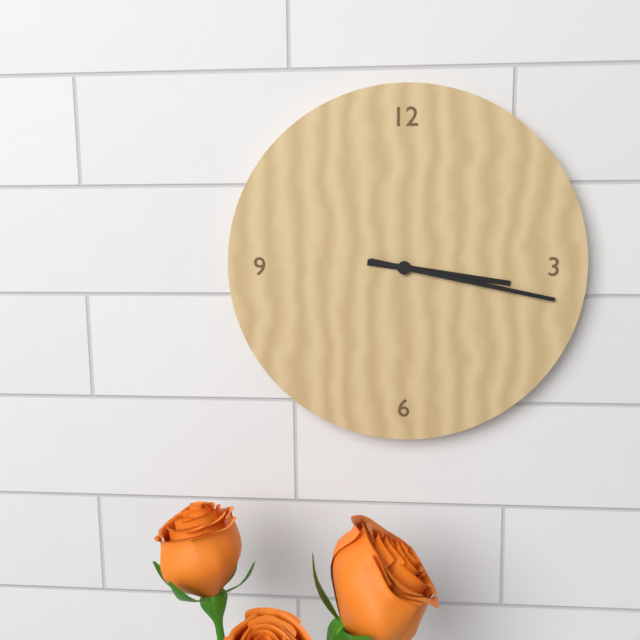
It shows 3,17
